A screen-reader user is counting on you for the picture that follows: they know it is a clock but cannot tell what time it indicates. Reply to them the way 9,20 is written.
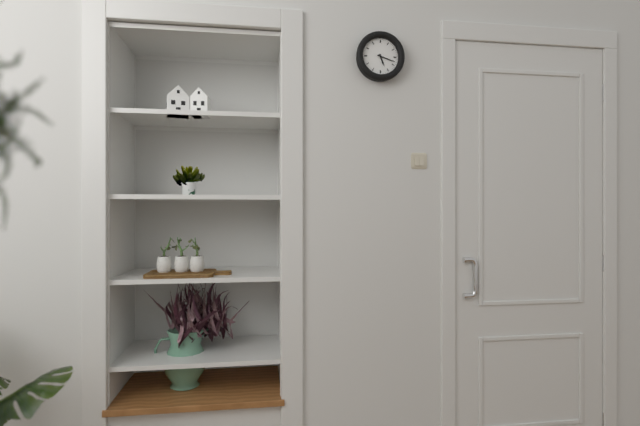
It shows 5,18
